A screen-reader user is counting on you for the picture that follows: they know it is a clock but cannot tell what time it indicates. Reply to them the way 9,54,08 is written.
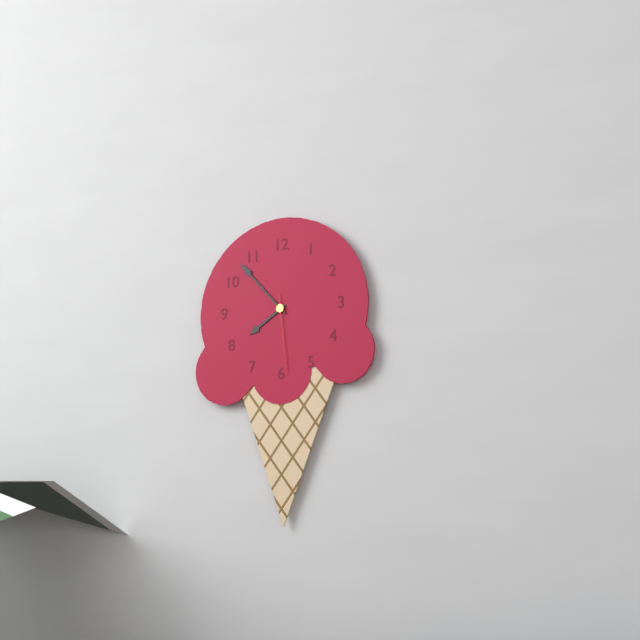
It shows 7,53,29
